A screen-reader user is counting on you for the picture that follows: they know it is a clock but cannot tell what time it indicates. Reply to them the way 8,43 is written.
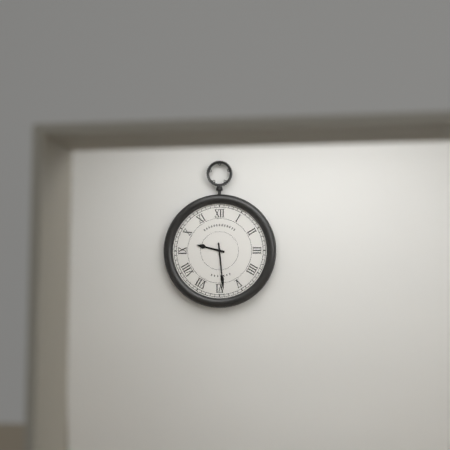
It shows 9,29
